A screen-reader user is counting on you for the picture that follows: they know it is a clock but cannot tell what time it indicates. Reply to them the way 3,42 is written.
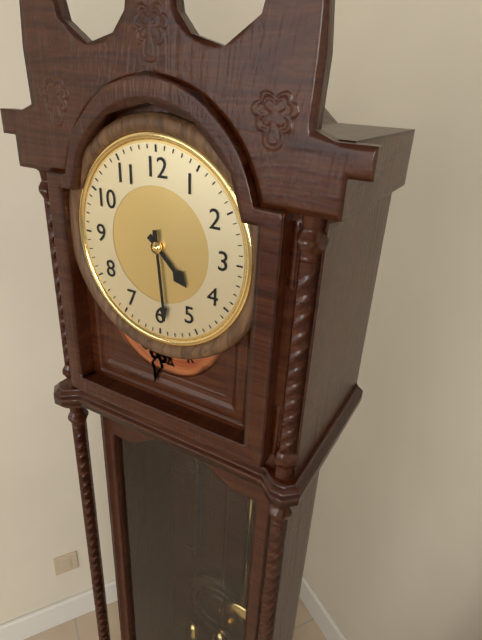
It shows 4,29
